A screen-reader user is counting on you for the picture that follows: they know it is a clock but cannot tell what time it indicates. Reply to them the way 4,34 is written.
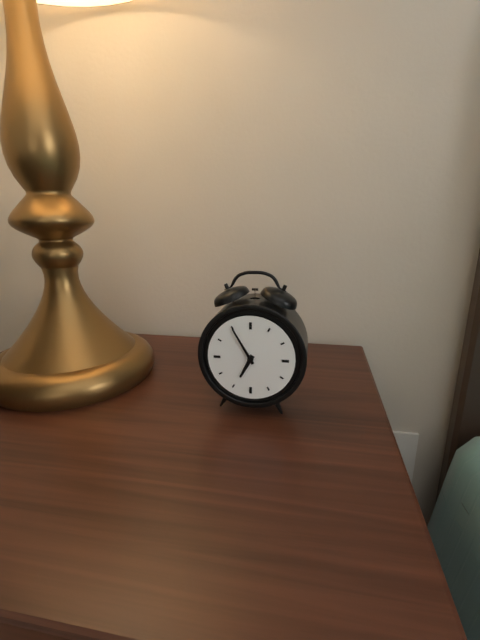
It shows 6,55
